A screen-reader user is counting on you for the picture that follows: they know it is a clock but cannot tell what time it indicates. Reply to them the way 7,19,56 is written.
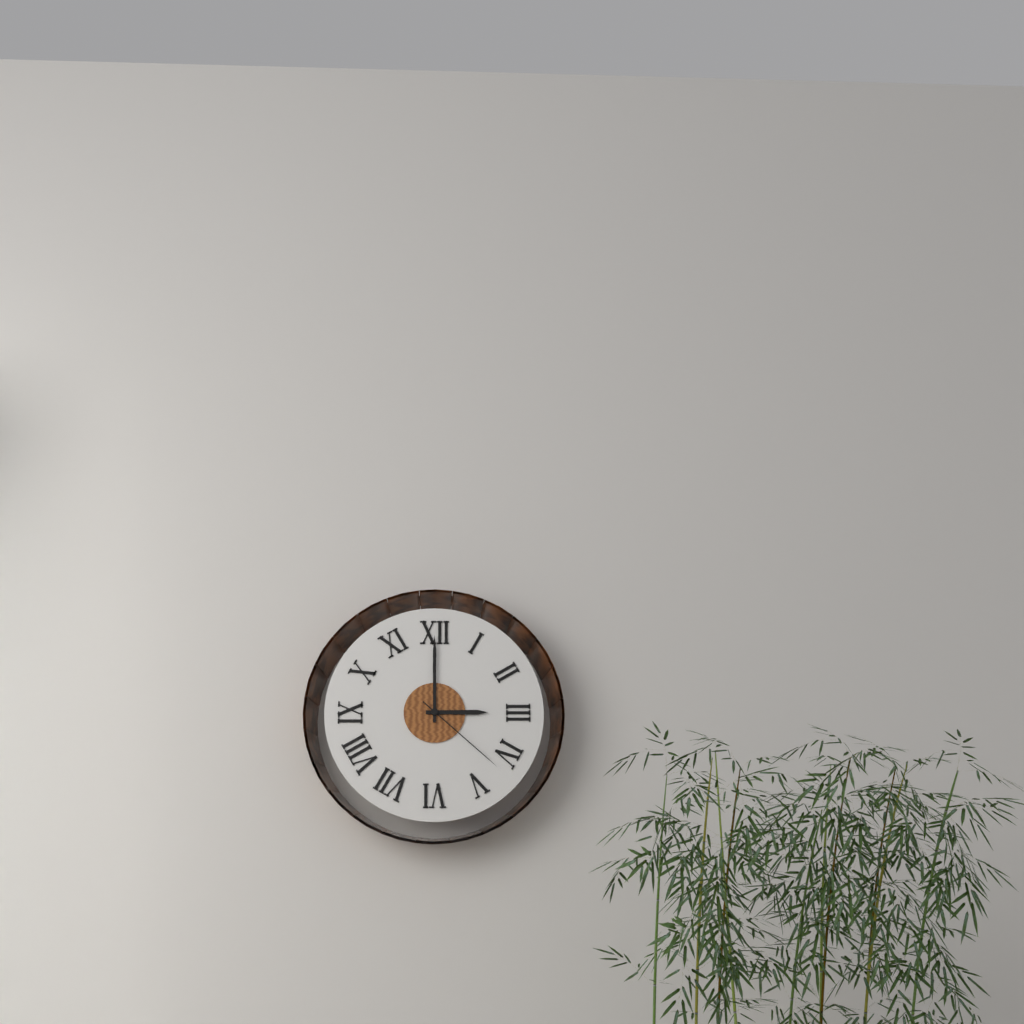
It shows 3,00,22
